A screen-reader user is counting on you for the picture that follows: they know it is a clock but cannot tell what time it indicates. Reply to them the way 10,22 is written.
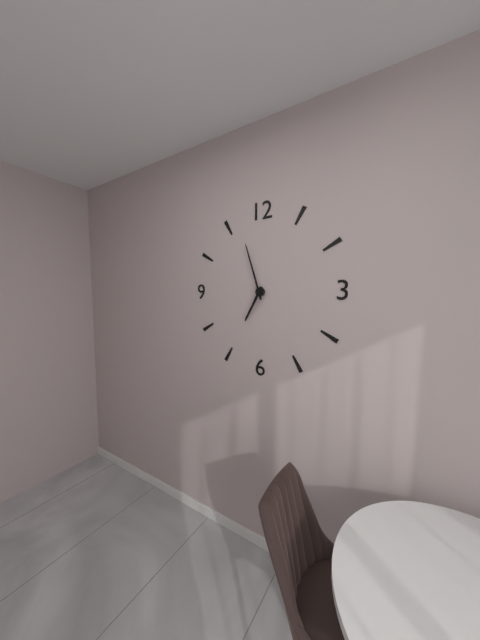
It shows 6,57
